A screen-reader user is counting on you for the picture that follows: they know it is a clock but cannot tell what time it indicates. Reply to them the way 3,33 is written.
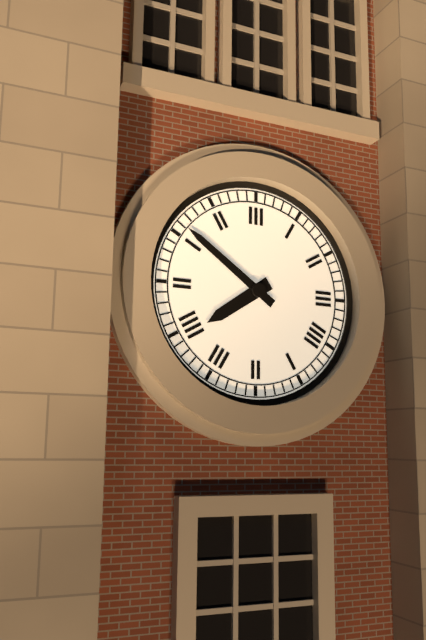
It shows 7,51
